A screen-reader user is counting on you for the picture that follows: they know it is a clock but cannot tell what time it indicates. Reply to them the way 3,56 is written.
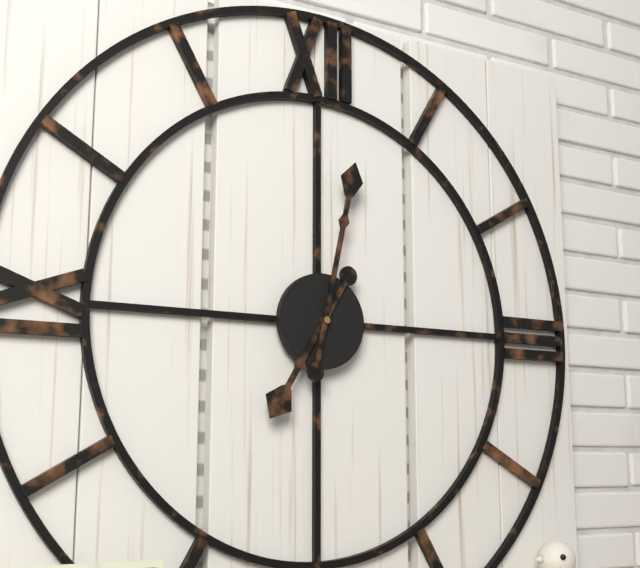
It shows 7,02
